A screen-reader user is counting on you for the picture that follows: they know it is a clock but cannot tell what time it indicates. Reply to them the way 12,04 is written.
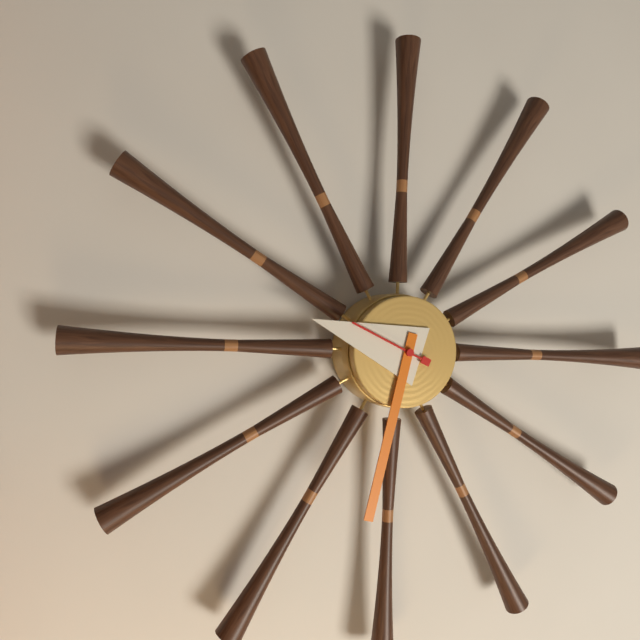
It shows 9,32
